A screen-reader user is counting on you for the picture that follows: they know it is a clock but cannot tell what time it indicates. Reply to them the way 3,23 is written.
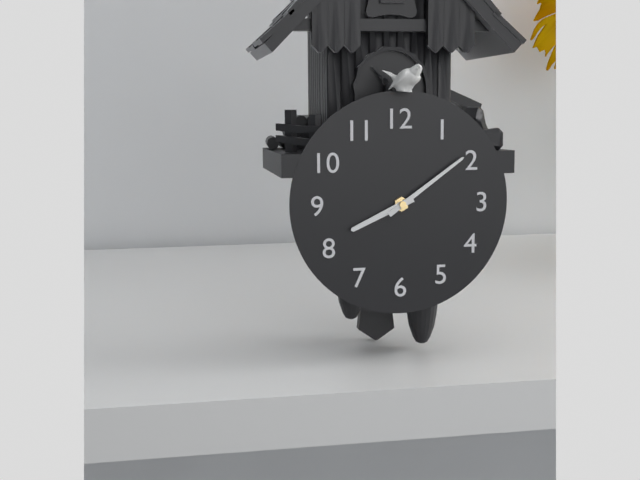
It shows 8,09
